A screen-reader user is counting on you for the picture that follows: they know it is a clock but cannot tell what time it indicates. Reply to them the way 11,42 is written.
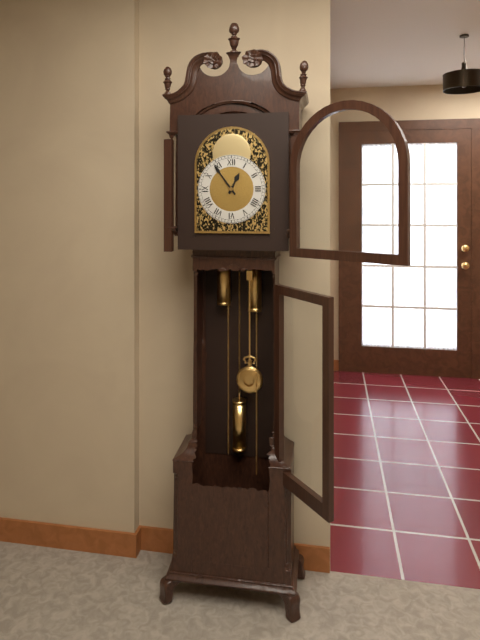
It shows 12,54
